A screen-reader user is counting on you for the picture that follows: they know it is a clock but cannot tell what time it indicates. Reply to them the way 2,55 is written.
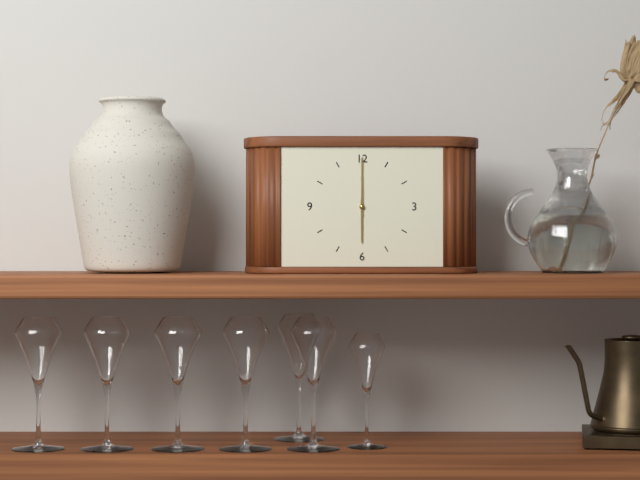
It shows 6,00
